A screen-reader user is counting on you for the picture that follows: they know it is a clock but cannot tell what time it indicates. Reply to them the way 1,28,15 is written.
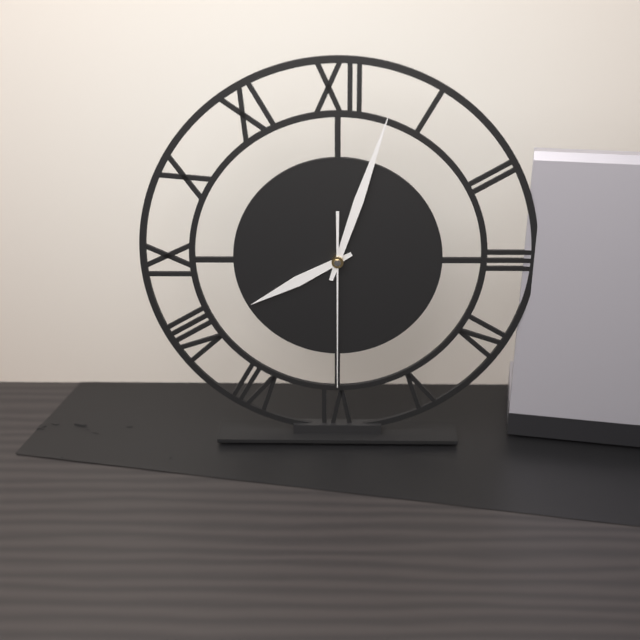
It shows 8,03,30
